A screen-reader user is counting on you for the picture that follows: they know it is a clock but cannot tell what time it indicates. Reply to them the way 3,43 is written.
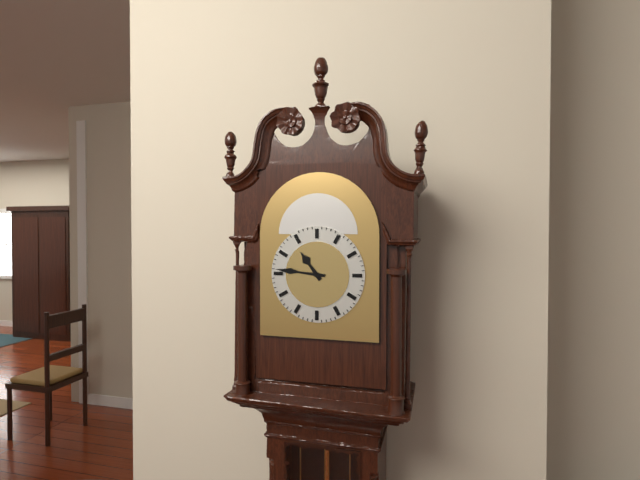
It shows 10,46
